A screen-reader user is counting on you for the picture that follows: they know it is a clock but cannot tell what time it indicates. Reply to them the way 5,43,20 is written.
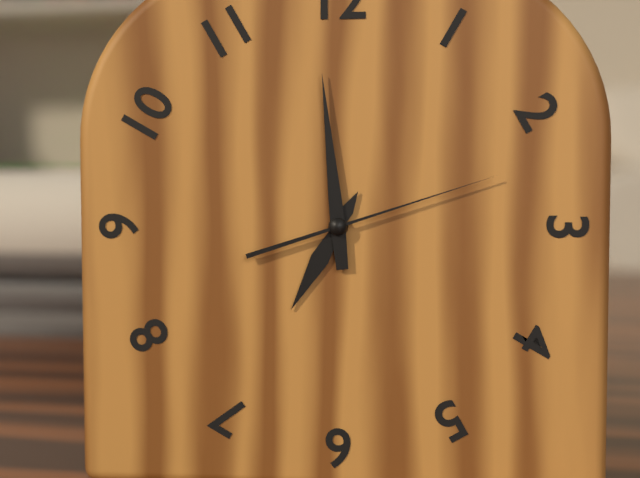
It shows 6,59,12
